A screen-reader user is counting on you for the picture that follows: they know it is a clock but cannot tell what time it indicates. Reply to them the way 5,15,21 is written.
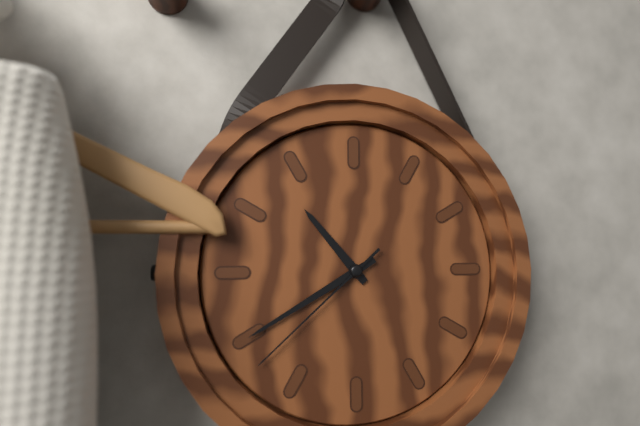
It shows 10,40,38
